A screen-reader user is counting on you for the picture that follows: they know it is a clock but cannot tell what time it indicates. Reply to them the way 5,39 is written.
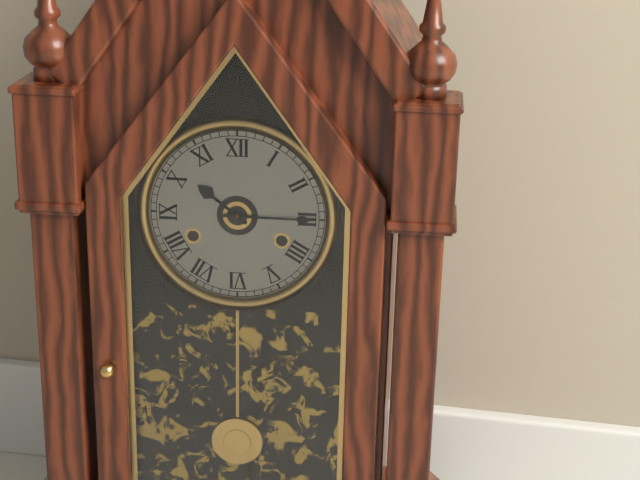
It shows 10,15
